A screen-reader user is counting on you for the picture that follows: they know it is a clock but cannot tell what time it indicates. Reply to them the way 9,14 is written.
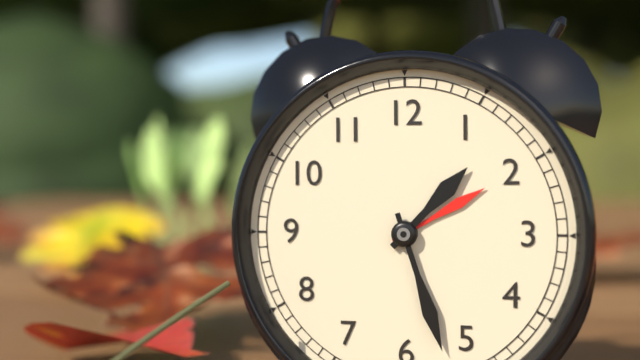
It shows 1,27
